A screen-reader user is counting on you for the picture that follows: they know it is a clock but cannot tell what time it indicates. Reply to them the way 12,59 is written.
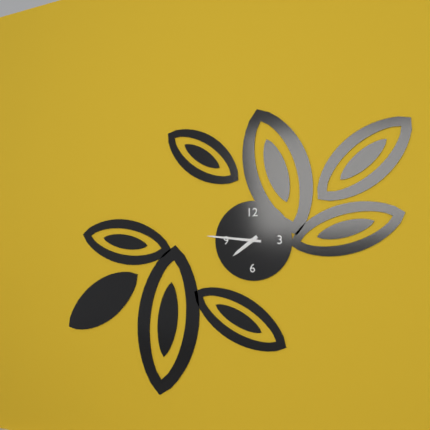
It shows 7,46
